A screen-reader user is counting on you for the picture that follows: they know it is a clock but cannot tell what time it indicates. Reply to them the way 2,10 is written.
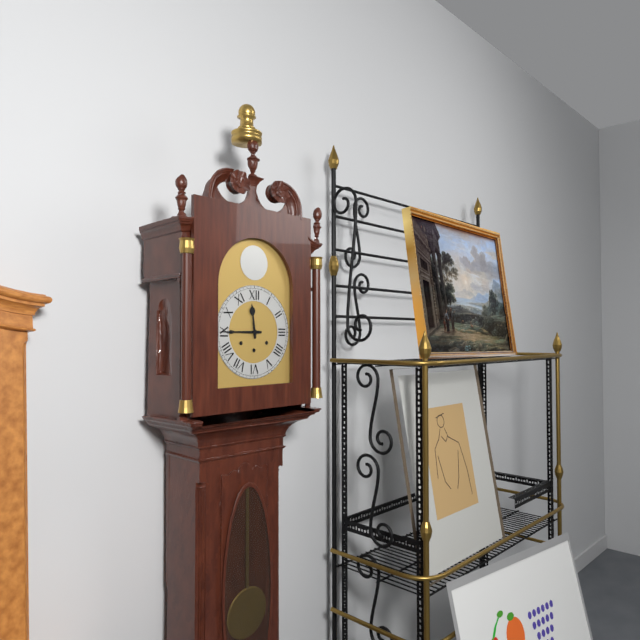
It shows 11,45
